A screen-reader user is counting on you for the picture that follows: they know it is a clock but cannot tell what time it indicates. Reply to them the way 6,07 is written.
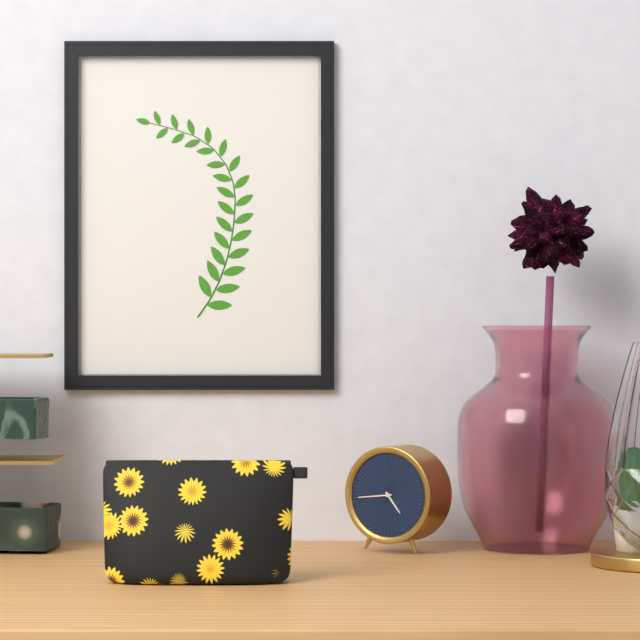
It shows 4,44
